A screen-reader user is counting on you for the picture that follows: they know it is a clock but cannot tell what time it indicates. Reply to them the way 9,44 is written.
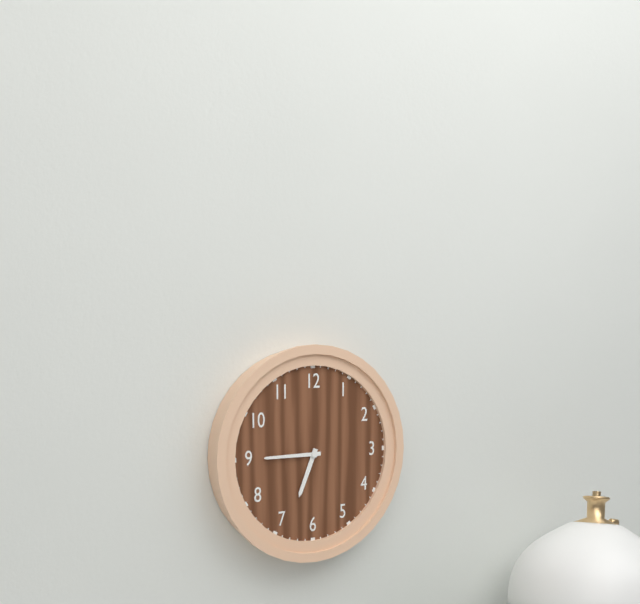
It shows 6,45
